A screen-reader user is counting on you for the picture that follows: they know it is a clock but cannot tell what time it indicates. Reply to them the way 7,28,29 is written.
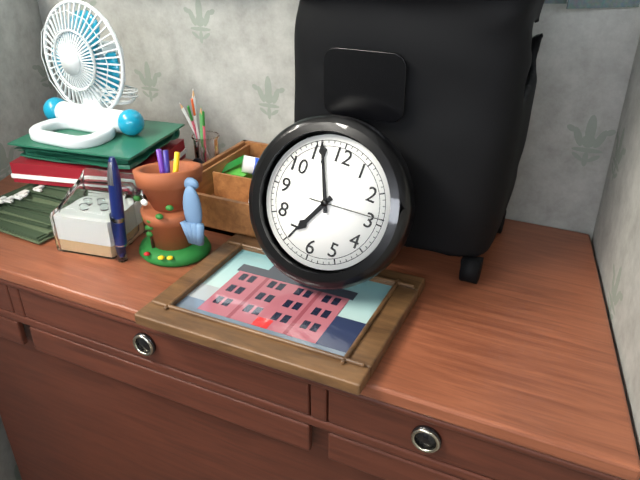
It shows 6,56,14
